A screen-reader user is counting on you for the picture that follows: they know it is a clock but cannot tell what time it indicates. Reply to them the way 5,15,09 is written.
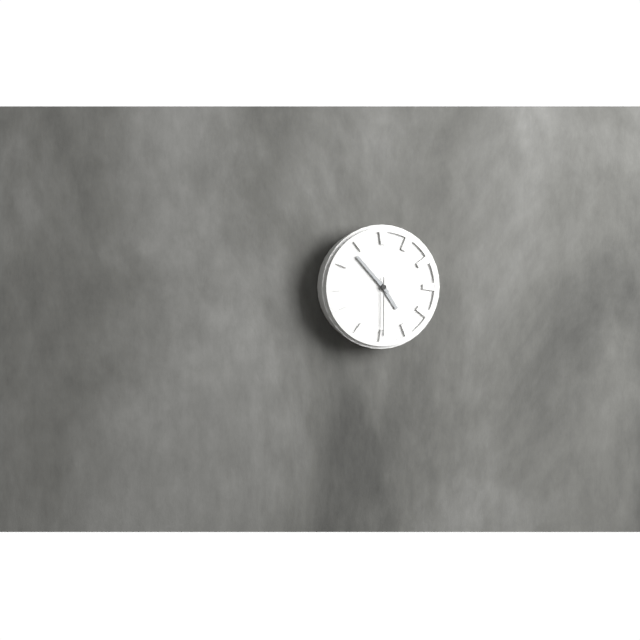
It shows 4,53,30
